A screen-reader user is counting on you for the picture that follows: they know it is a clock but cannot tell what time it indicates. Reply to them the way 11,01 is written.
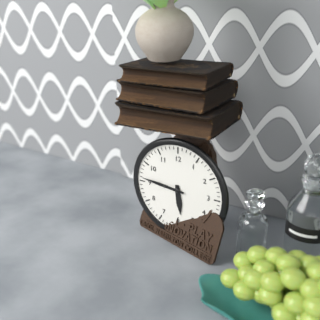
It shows 5,46
